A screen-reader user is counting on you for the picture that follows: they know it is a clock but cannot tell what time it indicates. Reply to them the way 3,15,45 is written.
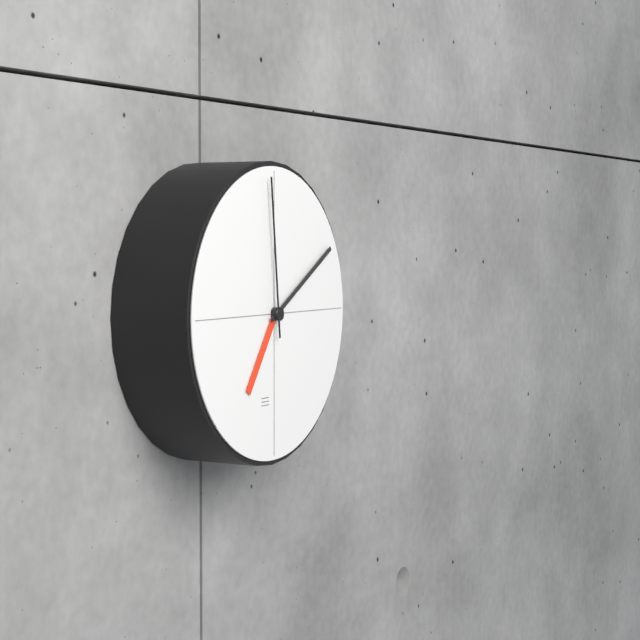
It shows 7,10,59
